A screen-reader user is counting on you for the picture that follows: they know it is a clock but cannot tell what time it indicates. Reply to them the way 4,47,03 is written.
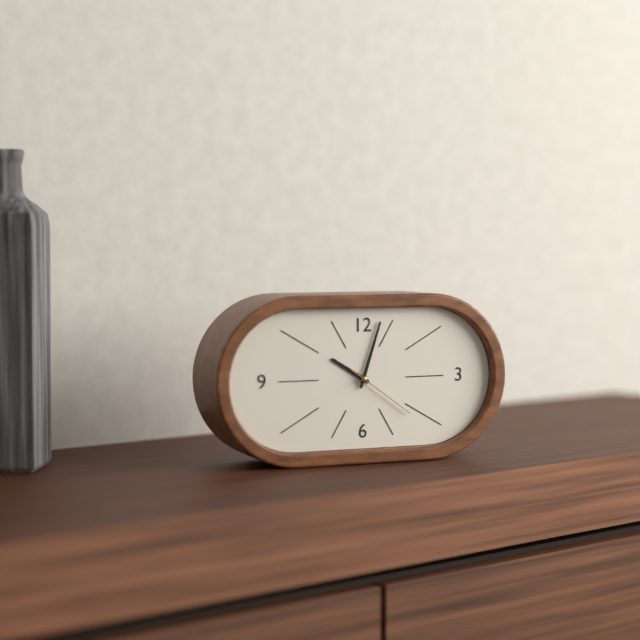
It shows 10,03,21
